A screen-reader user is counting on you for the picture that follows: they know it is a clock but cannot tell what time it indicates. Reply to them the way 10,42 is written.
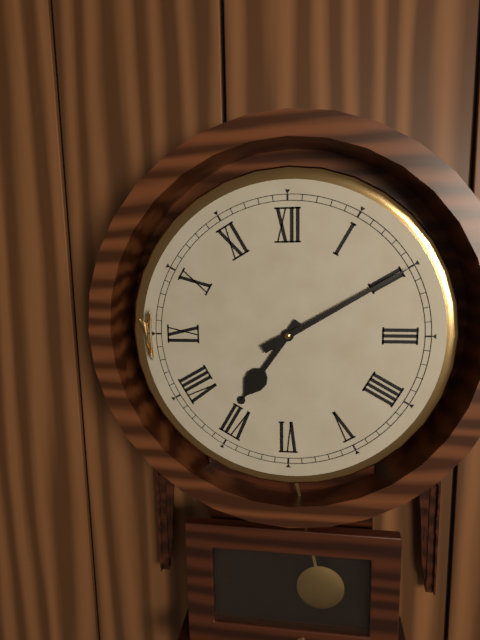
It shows 7,10
